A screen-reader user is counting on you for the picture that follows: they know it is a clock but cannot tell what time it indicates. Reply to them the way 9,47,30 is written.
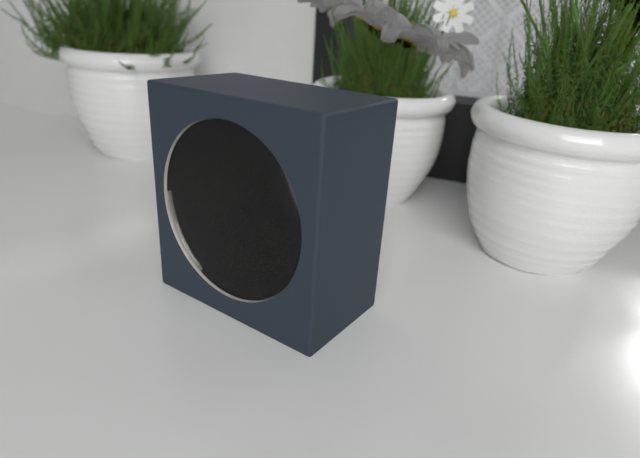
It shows 10,42,48
